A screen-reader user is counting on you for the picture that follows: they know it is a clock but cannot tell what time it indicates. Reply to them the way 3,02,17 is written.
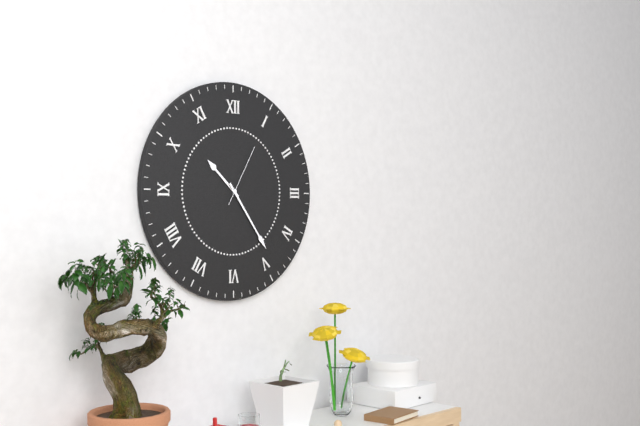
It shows 10,24,05
